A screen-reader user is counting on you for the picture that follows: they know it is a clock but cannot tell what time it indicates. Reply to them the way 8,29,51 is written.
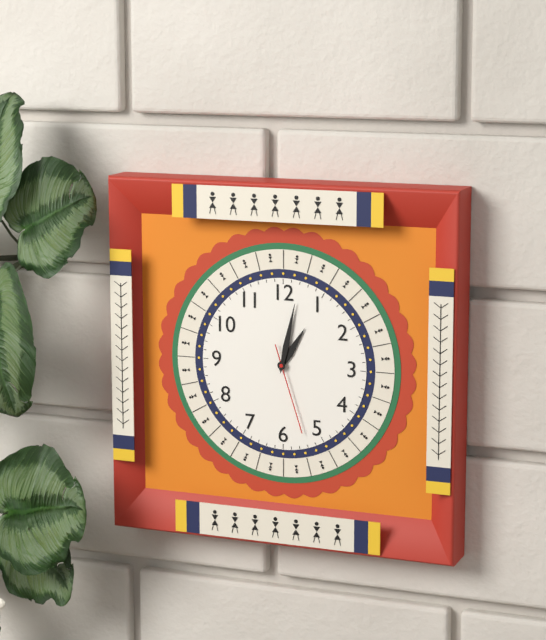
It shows 1,02,27
